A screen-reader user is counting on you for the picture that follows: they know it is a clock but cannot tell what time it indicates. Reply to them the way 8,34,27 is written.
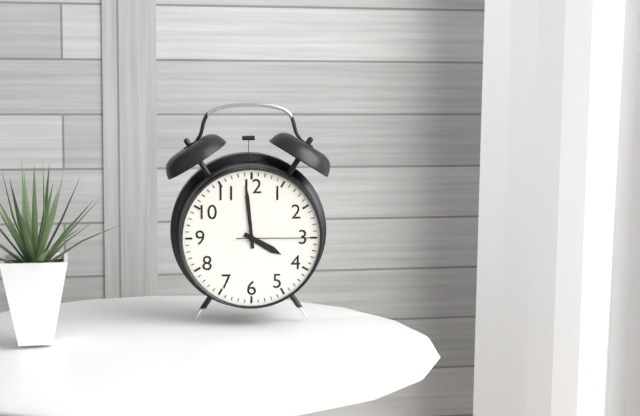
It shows 3,59,15
